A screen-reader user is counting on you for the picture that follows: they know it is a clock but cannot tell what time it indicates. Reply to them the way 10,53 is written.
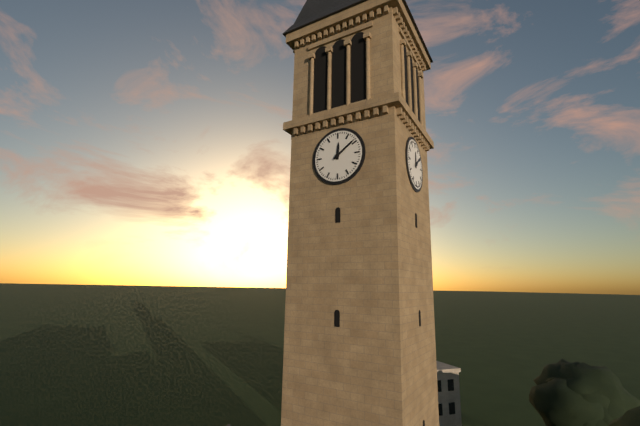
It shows 12,09
